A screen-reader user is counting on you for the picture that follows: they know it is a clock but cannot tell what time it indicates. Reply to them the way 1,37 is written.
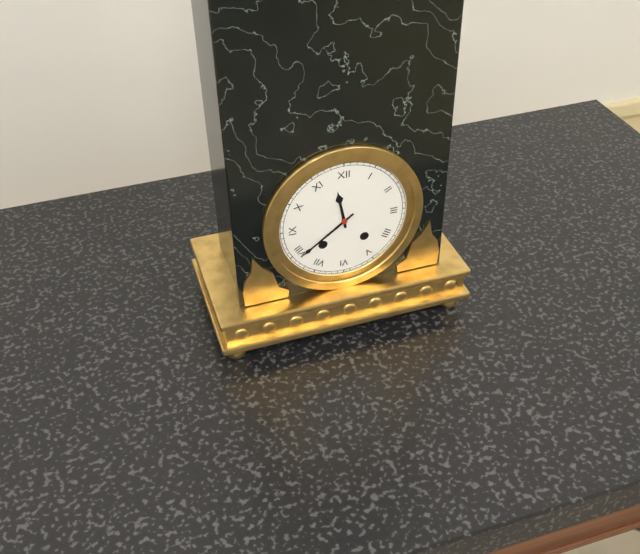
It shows 11,39
